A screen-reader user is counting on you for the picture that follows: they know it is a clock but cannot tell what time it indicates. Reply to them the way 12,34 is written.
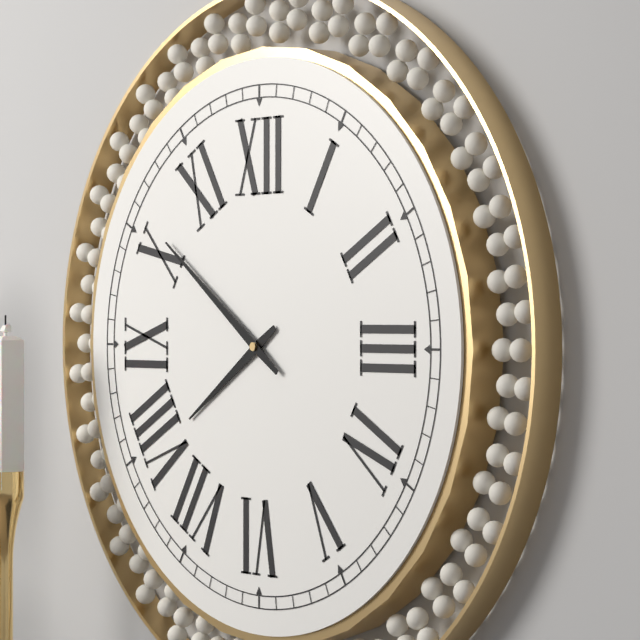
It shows 7,51
